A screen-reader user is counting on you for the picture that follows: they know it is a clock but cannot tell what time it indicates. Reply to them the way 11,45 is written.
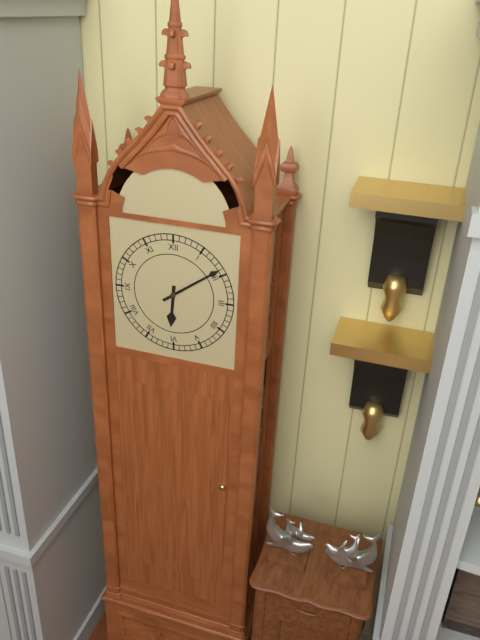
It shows 6,09
